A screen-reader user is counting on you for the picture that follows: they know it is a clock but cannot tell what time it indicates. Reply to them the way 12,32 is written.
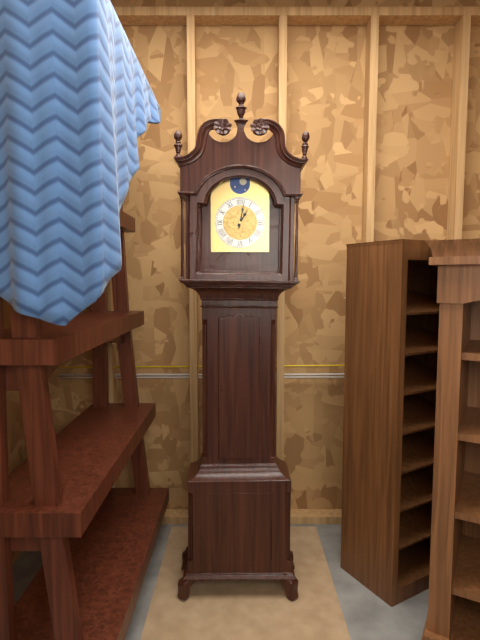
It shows 1,02
